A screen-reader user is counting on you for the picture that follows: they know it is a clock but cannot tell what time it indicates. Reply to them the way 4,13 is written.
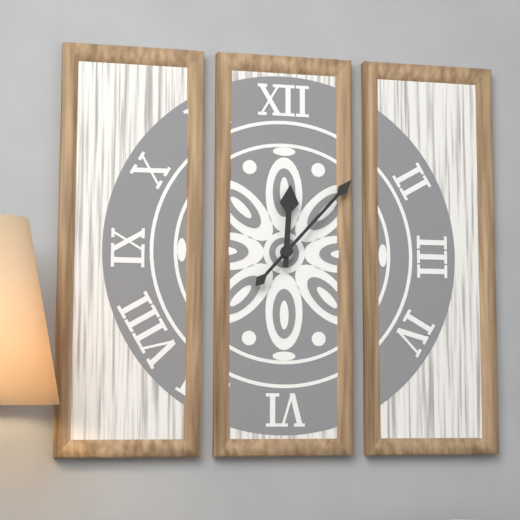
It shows 12,07
